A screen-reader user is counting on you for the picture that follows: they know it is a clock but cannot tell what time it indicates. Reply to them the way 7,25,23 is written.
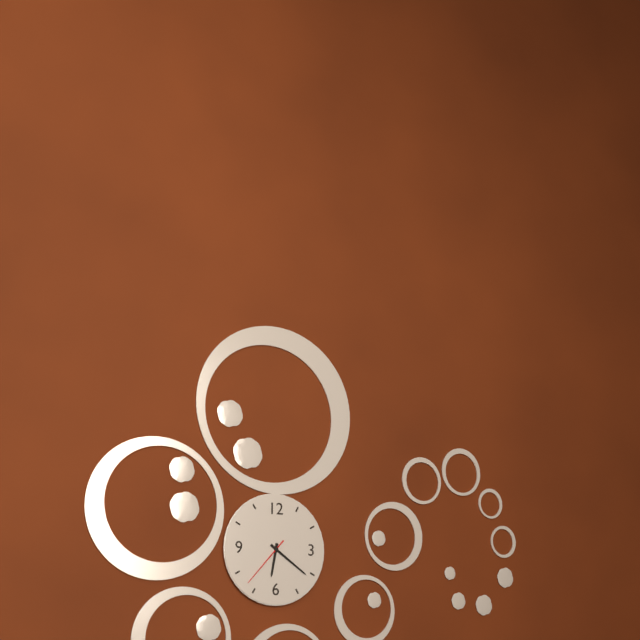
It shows 6,21,37
